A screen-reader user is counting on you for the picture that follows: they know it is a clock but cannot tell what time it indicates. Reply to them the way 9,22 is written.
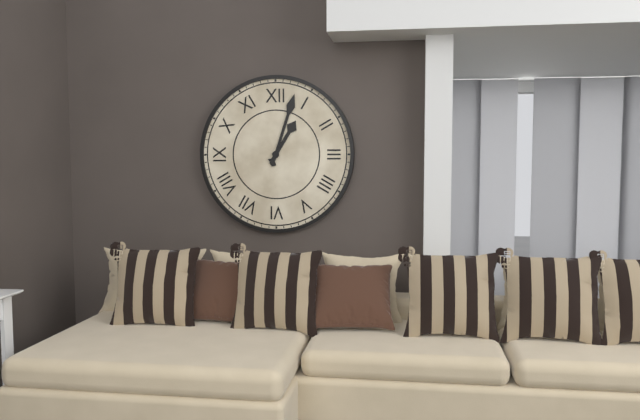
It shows 1,03
